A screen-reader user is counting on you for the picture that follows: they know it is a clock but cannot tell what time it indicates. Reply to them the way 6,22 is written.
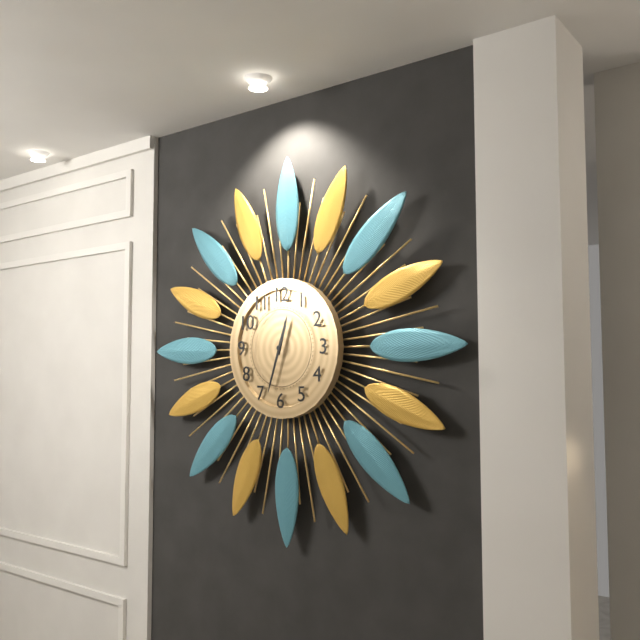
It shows 12,33
